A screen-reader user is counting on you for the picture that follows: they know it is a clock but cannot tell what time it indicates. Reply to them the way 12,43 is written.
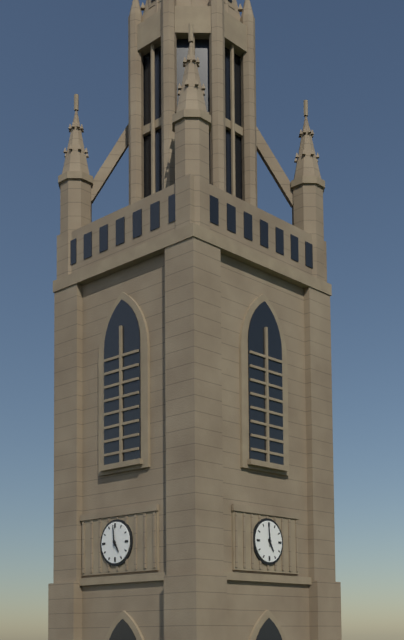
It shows 4,59
